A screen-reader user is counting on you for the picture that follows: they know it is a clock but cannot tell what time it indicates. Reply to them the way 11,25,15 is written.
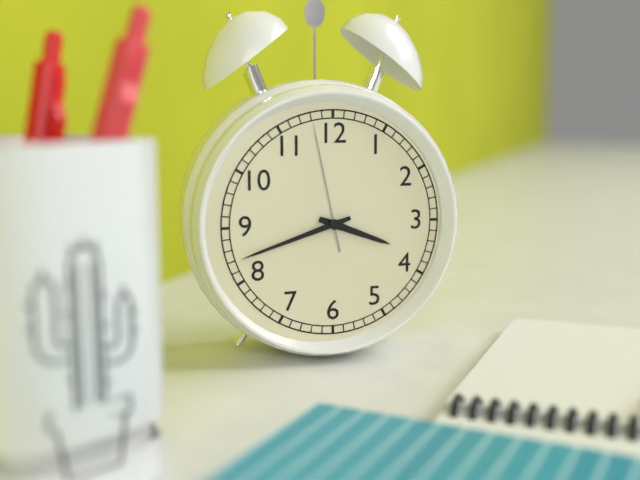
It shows 3,42,58
